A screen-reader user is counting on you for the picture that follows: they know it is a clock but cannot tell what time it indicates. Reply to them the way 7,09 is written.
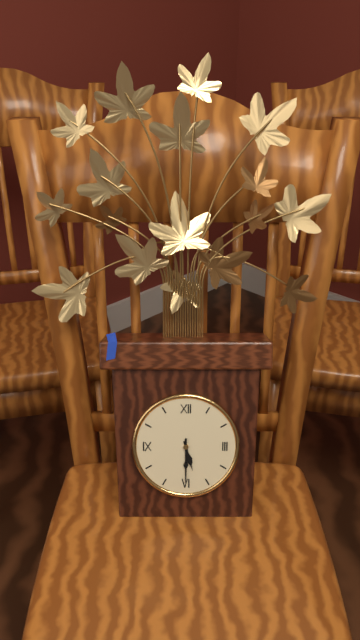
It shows 5,30
